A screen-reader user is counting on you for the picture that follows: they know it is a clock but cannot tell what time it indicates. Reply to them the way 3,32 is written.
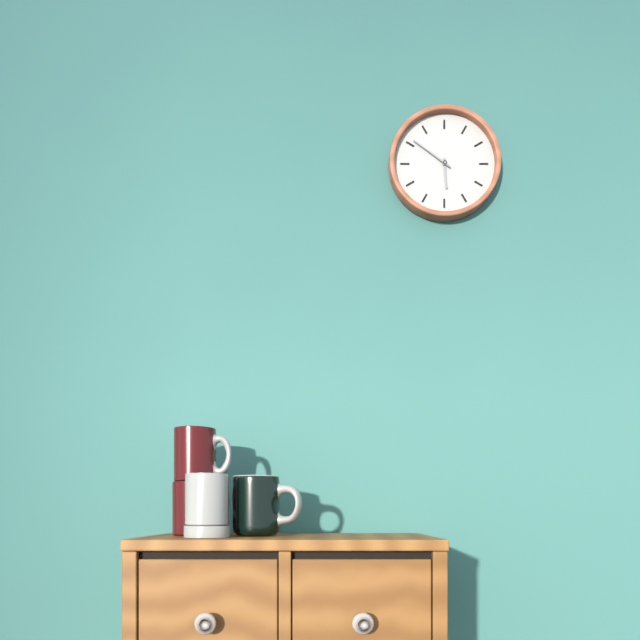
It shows 5,51
